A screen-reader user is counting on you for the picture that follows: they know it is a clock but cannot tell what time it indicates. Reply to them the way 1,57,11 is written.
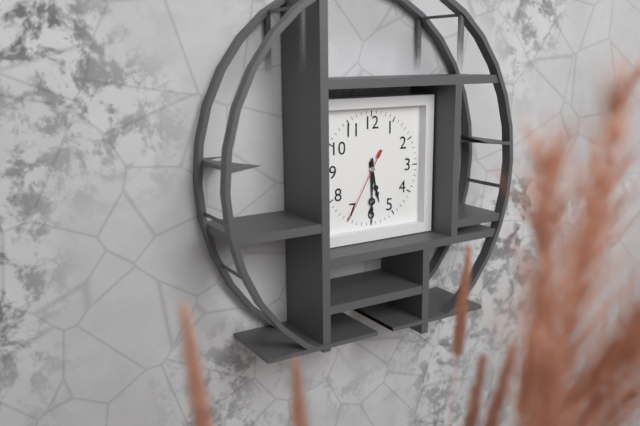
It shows 5,30,35
